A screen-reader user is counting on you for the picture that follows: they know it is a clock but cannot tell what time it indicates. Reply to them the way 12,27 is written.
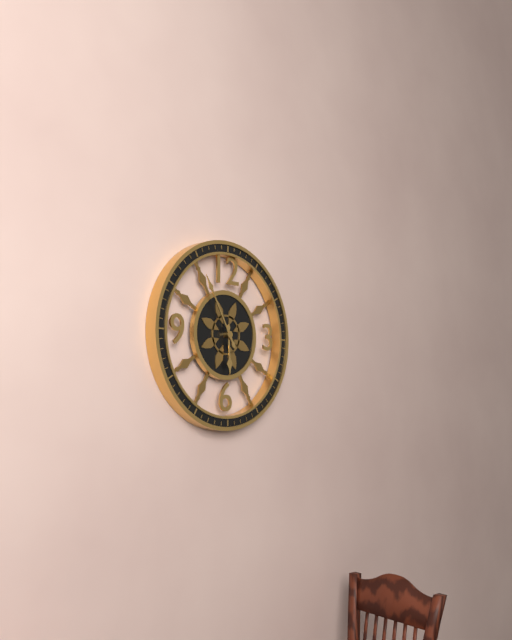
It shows 5,55
